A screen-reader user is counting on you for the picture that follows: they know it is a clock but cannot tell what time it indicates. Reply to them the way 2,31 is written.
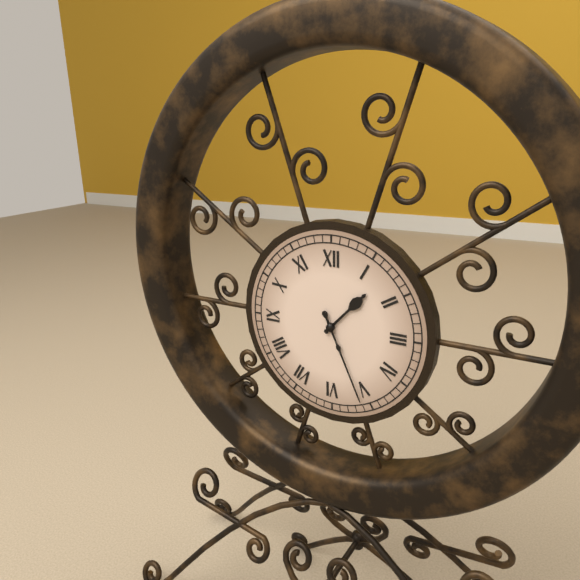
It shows 1,26
